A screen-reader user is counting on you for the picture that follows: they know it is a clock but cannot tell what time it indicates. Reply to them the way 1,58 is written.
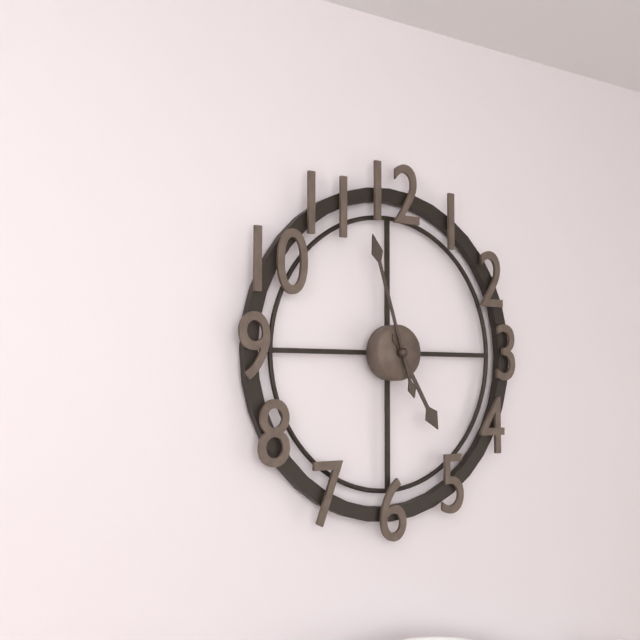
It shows 4,57
